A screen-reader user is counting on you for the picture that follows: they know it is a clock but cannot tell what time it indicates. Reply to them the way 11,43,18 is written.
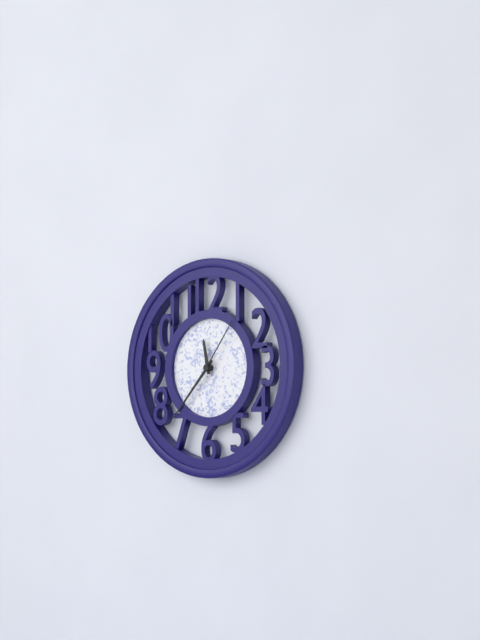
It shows 11,37,06
